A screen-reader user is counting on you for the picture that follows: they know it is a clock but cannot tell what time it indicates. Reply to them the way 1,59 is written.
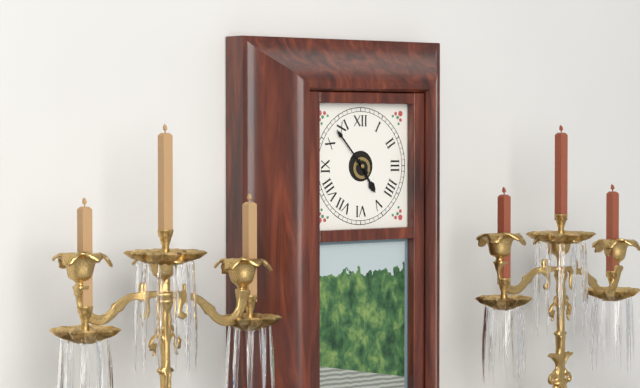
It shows 4,53
